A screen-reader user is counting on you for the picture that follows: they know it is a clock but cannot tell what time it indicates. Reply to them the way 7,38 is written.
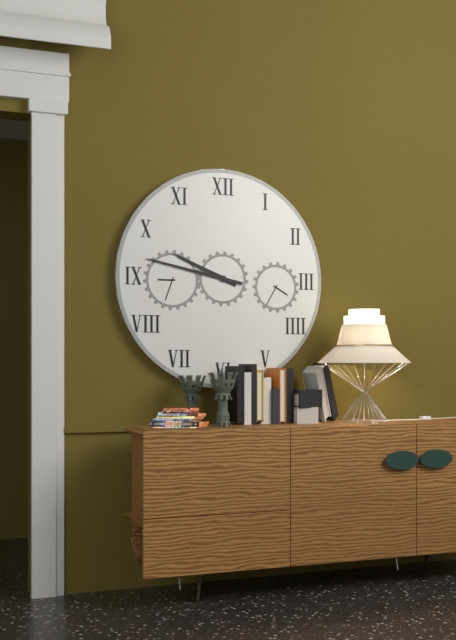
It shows 9,47
